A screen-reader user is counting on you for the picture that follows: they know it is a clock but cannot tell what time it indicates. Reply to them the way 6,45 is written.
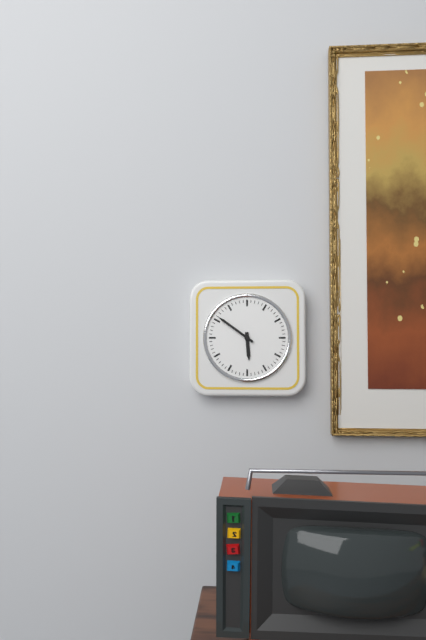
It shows 5,51
